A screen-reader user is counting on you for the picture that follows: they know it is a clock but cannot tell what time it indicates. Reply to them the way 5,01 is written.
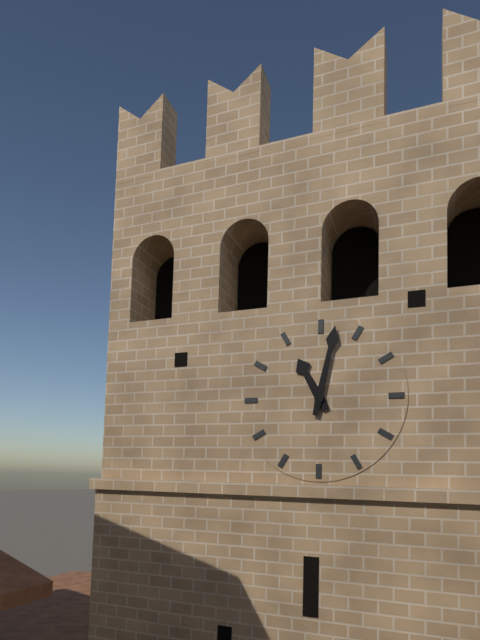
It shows 11,02
